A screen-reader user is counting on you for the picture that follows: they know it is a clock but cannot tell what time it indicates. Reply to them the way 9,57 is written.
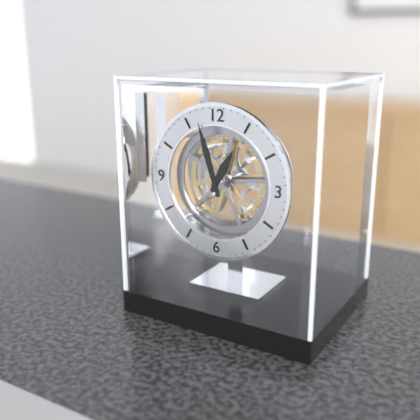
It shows 12,57
